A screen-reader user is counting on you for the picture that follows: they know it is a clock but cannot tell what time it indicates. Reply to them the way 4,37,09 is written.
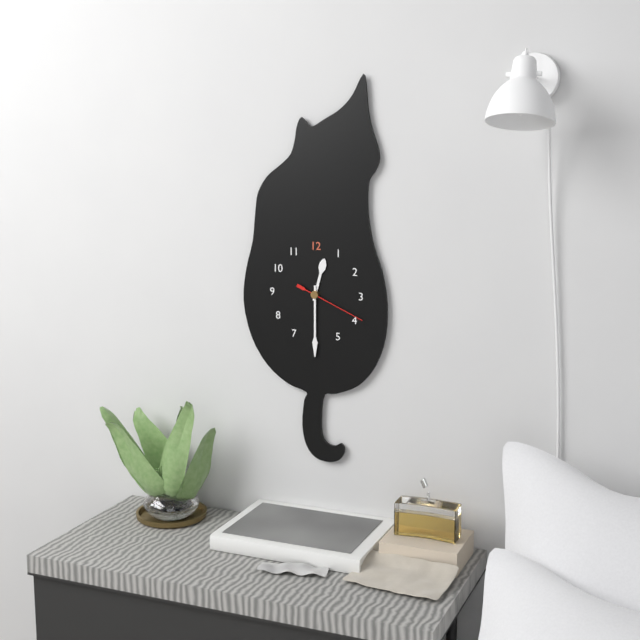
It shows 12,30,19
